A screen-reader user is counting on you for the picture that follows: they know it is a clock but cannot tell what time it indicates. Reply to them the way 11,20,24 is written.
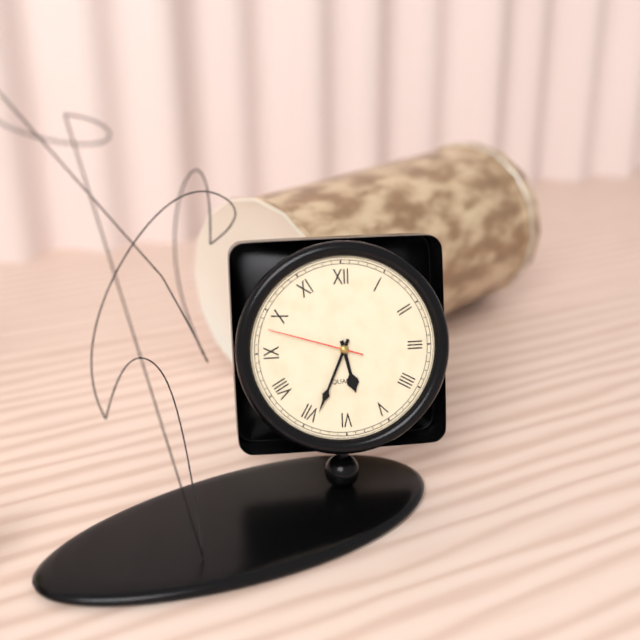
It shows 5,34,48
